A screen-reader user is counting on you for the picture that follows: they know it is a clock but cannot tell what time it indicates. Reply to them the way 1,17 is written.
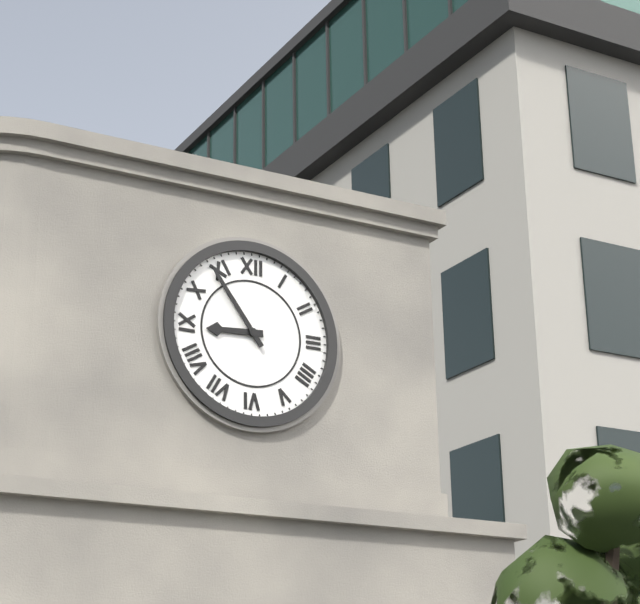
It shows 8,54
